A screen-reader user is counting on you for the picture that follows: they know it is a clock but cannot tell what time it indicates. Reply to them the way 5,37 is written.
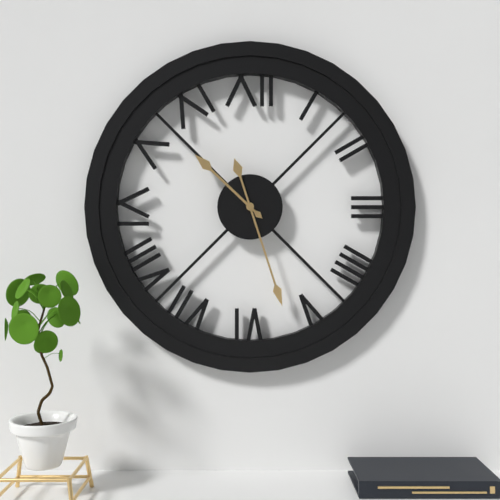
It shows 10,27
